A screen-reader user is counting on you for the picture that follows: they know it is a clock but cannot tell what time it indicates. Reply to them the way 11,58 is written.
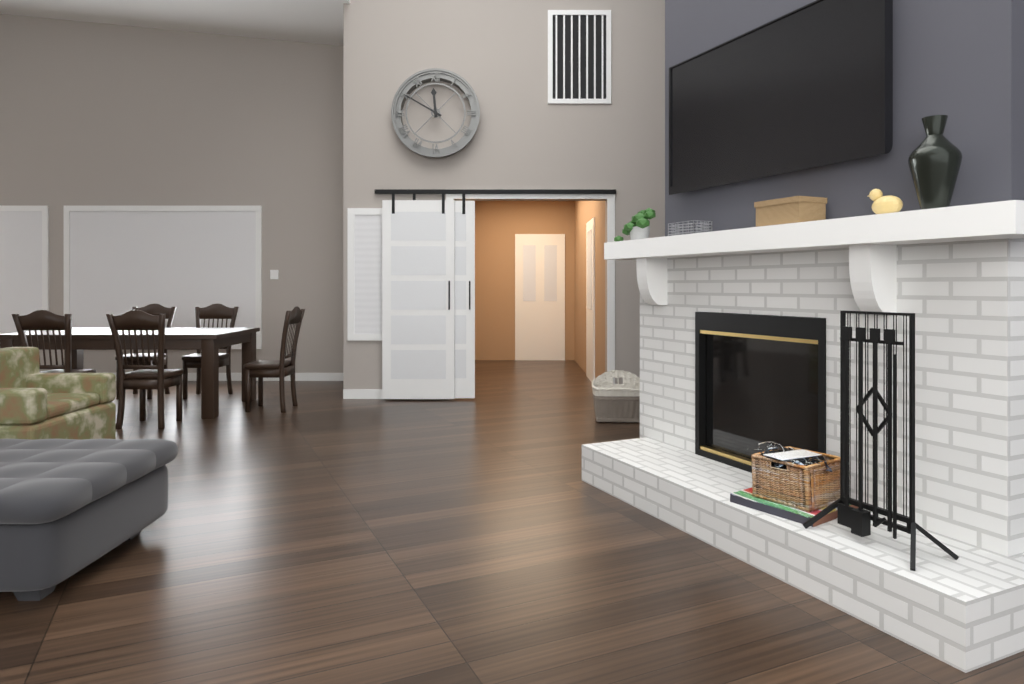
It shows 11,50
